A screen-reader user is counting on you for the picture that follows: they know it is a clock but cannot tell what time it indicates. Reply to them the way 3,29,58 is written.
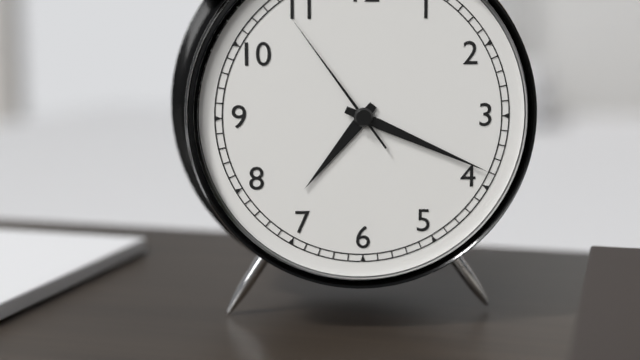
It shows 7,19,54
